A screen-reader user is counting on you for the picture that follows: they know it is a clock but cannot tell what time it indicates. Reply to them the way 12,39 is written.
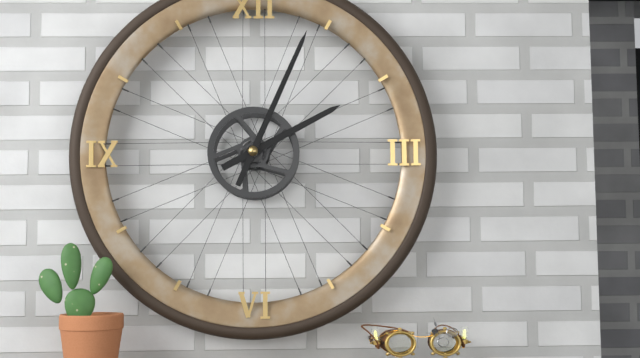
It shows 2,04
